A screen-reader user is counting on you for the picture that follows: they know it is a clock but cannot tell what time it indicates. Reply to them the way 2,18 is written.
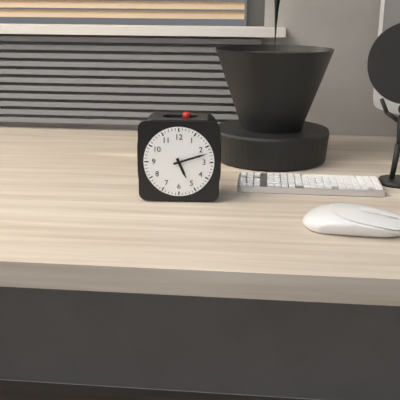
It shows 5,12
